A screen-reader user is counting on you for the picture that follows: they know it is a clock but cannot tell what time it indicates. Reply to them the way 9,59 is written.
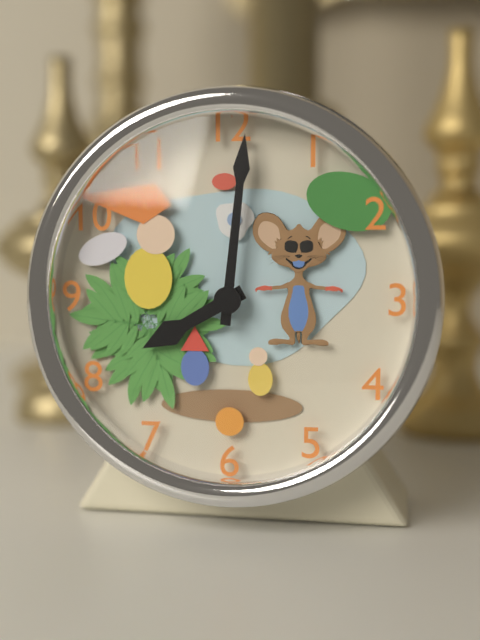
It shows 8,01
